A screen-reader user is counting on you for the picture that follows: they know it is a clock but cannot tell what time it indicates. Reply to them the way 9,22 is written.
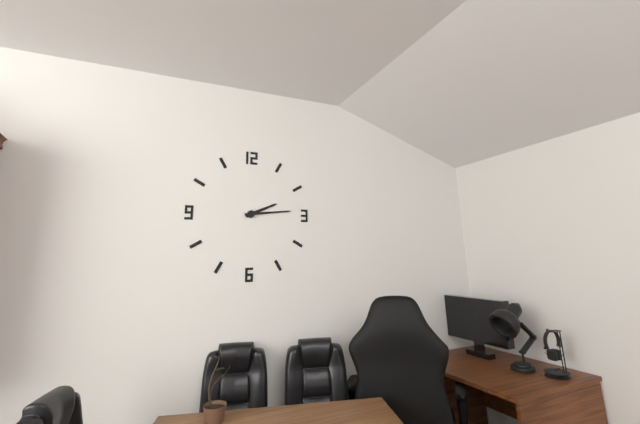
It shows 2,14
